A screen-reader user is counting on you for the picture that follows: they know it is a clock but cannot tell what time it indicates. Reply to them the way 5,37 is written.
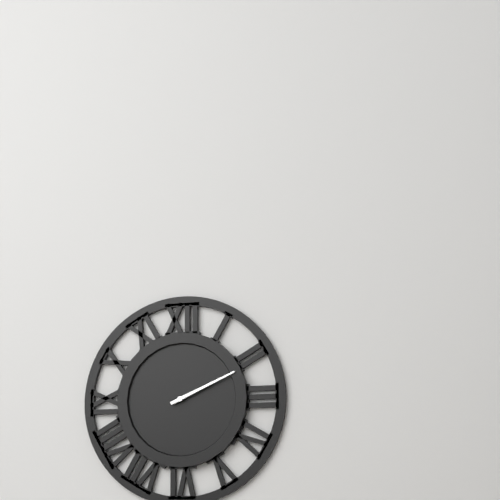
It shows 2,11
